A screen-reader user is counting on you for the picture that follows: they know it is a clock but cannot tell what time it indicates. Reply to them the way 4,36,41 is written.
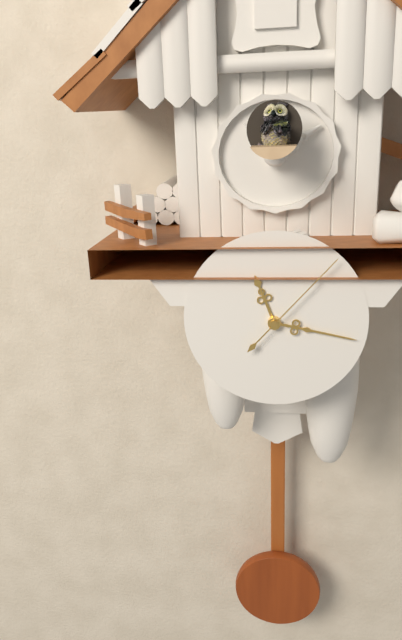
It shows 11,17,07
